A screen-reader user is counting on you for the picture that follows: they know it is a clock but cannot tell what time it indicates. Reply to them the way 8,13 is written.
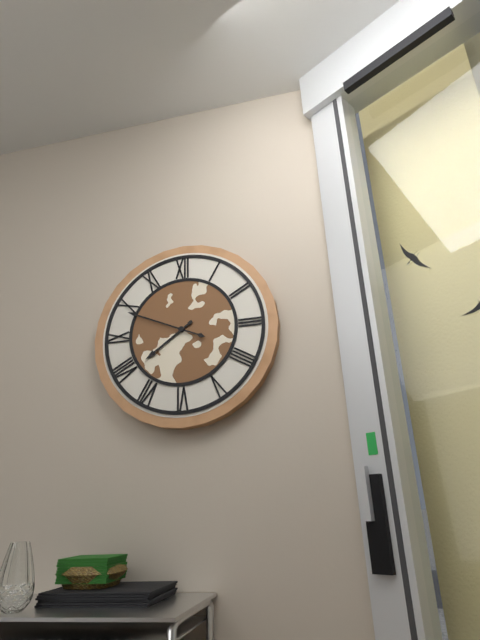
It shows 7,49
